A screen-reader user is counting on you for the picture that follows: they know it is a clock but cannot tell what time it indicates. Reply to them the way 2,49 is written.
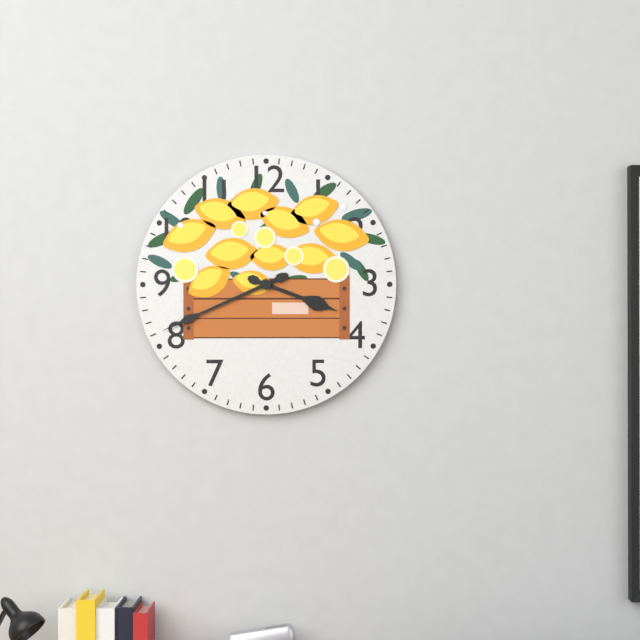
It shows 3,41
